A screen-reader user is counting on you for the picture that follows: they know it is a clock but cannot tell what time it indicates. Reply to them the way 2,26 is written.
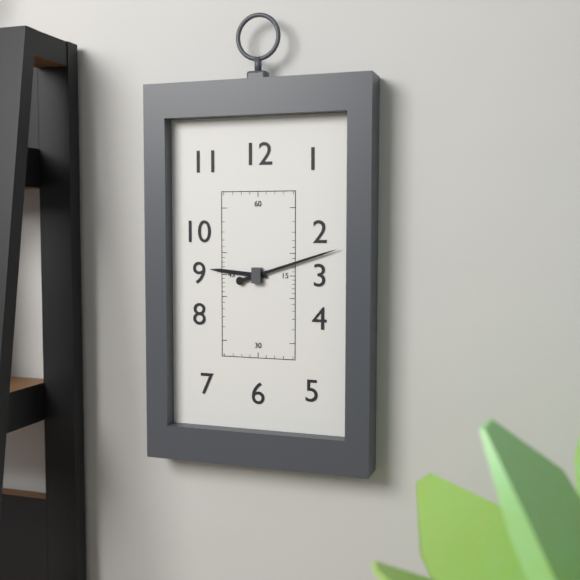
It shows 9,12
